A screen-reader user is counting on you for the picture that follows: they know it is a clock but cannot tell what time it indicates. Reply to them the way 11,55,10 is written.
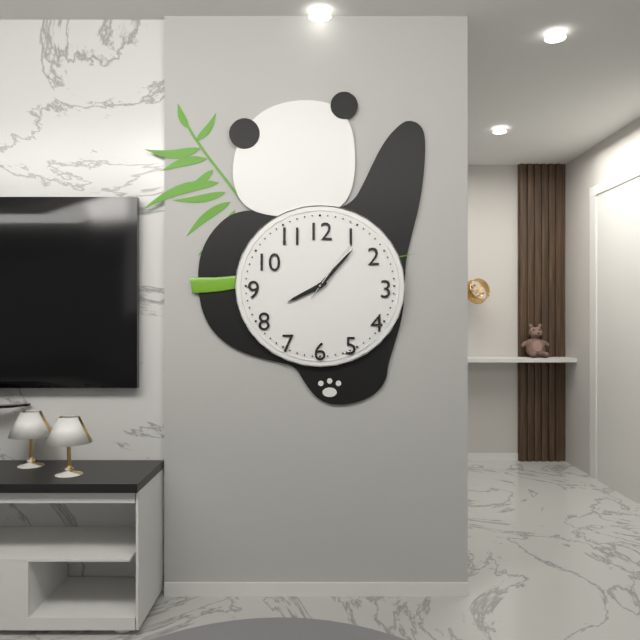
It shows 8,07,06
